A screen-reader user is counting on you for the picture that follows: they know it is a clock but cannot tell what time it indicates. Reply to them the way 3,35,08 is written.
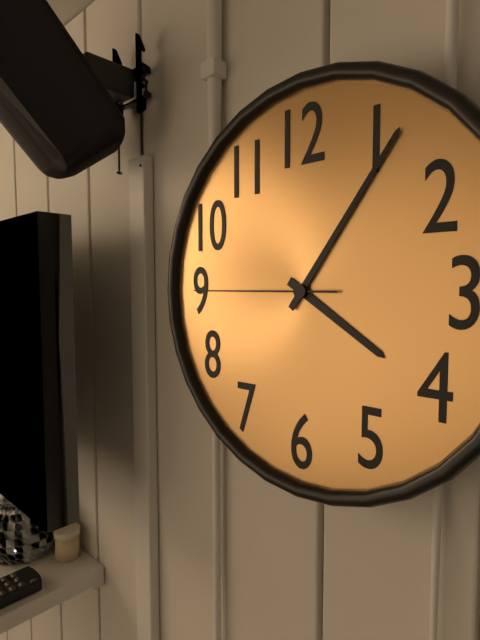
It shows 4,06,45
